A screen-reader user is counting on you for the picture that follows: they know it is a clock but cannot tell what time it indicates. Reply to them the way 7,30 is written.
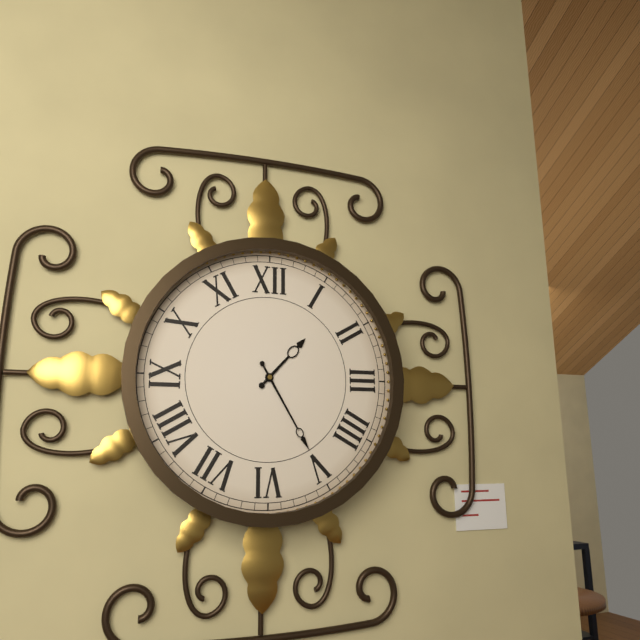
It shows 1,25
